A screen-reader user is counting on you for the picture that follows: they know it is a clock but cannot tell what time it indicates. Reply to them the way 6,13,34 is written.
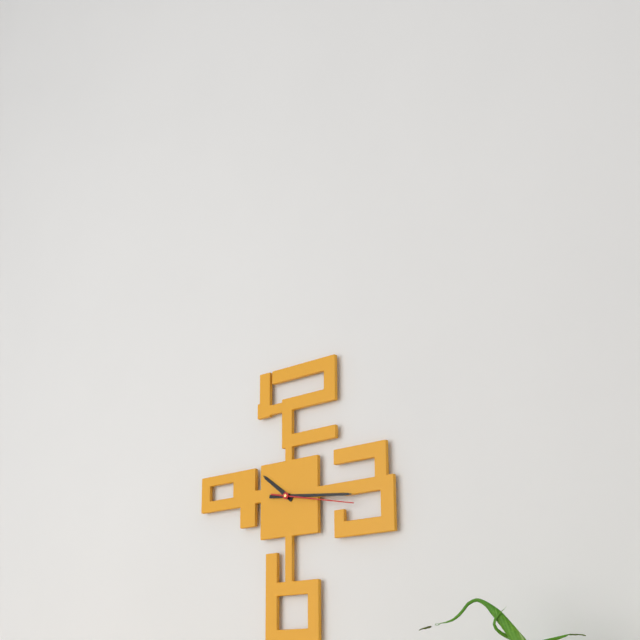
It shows 10,16,17
